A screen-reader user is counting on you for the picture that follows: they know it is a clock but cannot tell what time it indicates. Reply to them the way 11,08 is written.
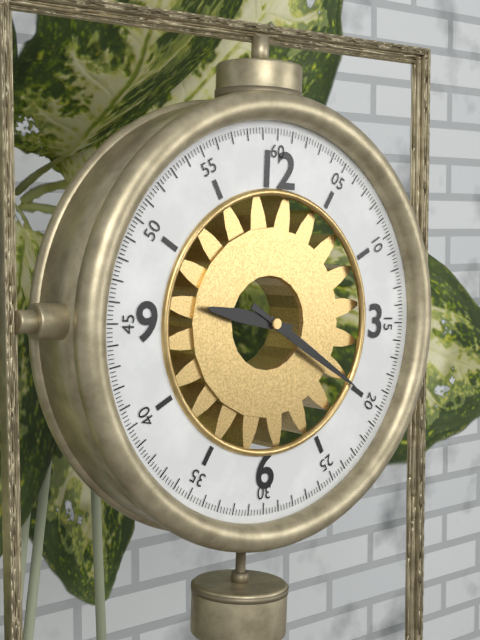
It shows 9,20
